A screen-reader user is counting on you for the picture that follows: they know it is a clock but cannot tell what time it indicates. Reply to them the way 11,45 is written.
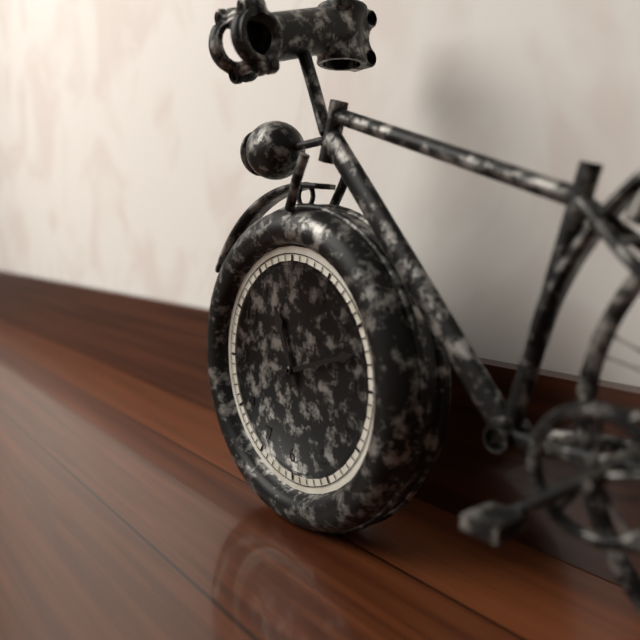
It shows 11,12
